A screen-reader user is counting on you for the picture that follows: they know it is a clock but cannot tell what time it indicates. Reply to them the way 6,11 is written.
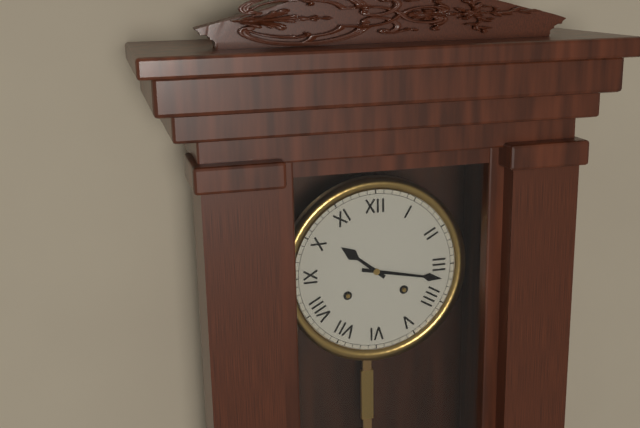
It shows 10,17
